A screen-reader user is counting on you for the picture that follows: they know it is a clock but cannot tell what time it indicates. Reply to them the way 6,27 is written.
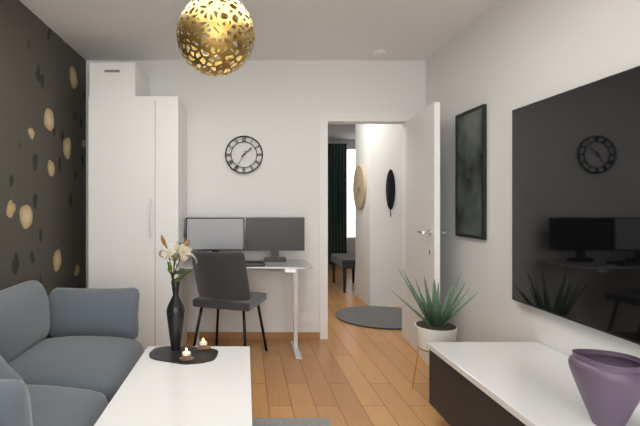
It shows 1,35
